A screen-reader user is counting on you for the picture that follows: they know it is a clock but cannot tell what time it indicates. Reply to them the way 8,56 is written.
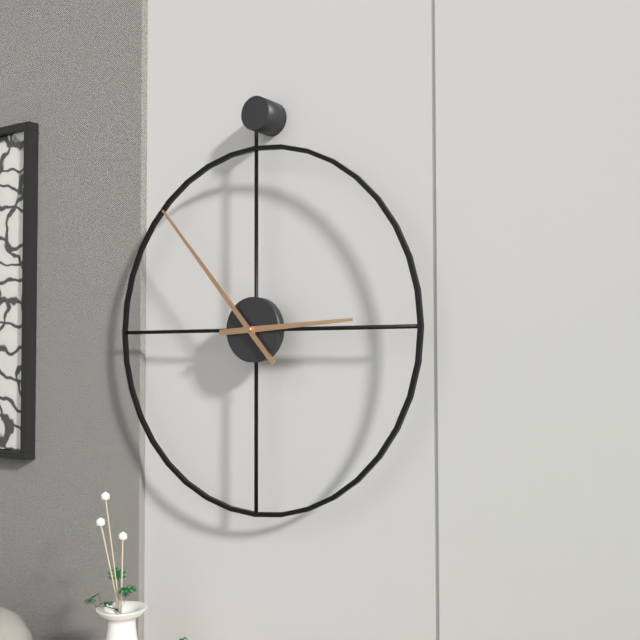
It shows 2,53
